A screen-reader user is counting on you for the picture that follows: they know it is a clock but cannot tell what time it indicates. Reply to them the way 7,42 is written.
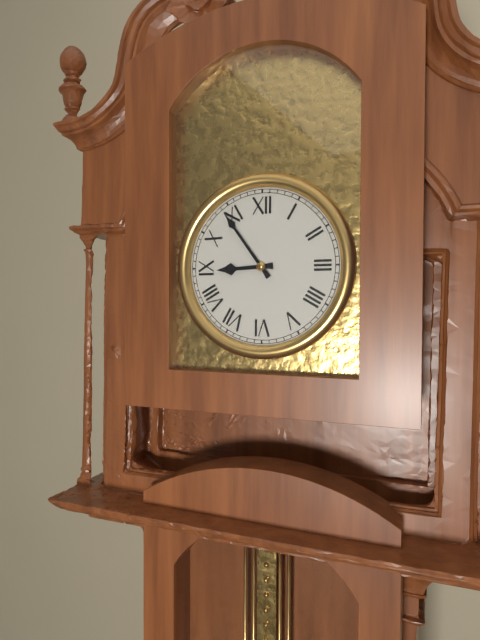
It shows 8,54
